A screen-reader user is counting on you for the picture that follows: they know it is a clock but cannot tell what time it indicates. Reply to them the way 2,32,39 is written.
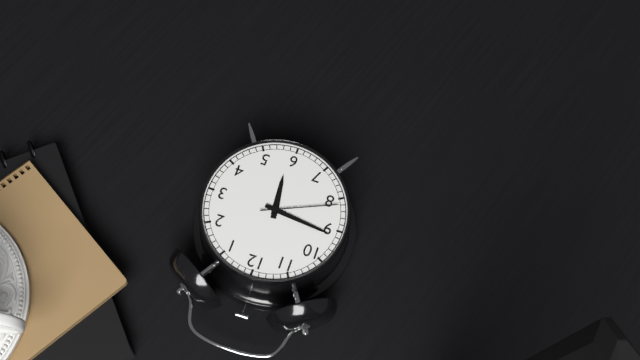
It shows 5,46,41
